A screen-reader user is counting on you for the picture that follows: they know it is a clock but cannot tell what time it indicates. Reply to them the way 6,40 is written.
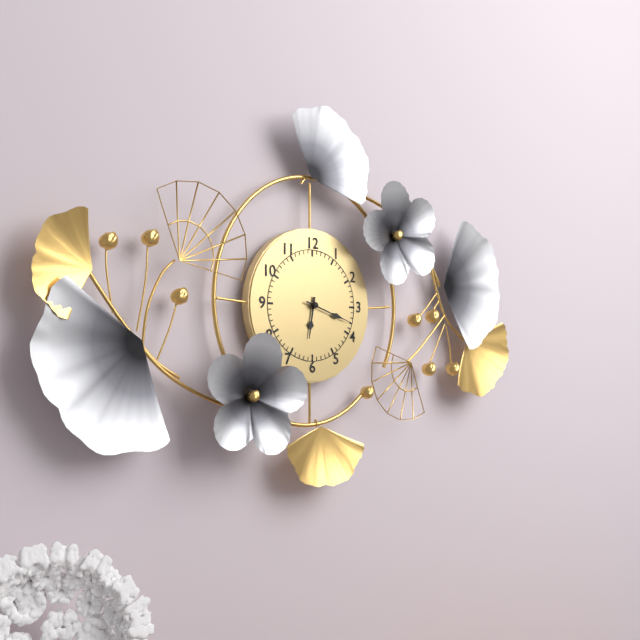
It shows 6,18
